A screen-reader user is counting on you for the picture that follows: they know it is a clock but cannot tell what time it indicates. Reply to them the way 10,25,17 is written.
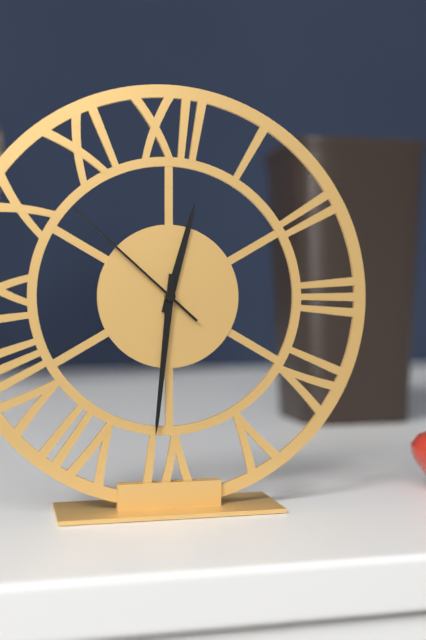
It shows 12,31,52
